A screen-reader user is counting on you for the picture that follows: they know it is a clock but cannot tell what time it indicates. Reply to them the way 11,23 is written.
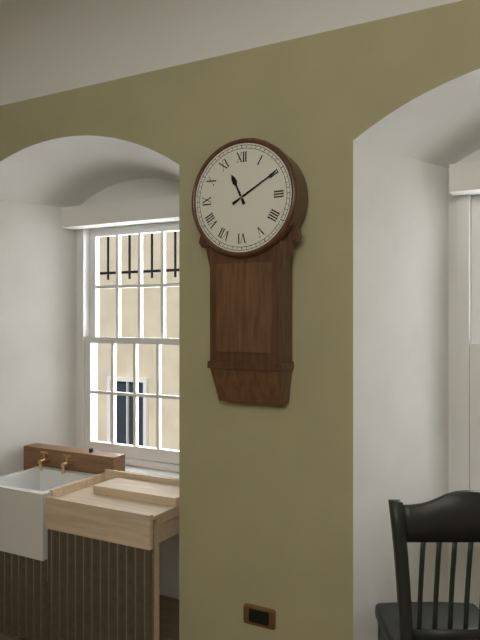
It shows 11,10
